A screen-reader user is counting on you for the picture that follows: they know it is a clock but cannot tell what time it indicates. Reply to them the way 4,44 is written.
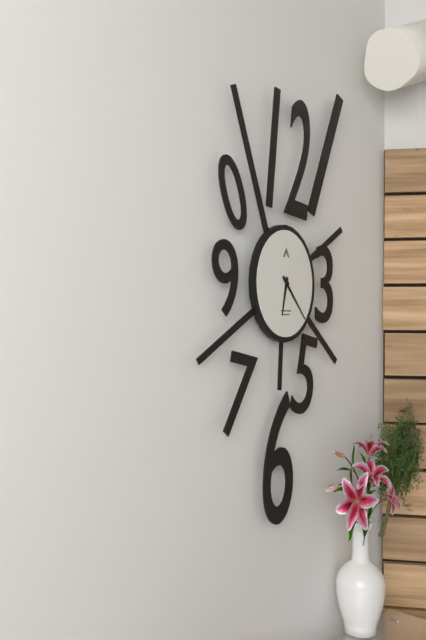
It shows 6,23
